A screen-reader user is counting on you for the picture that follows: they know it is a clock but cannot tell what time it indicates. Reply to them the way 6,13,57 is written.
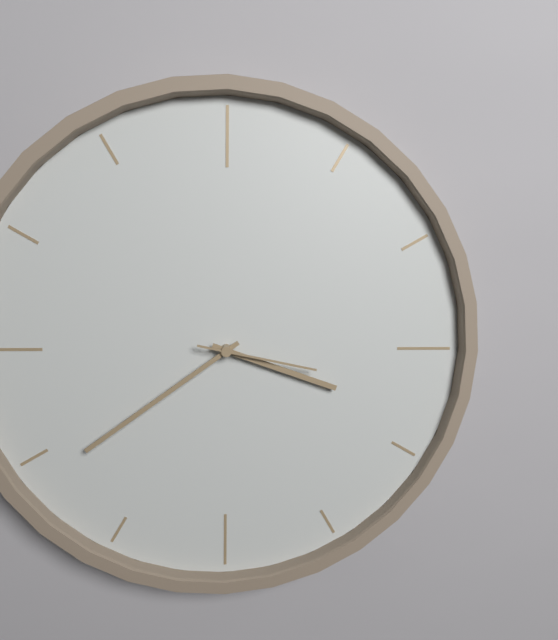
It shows 3,39,17
